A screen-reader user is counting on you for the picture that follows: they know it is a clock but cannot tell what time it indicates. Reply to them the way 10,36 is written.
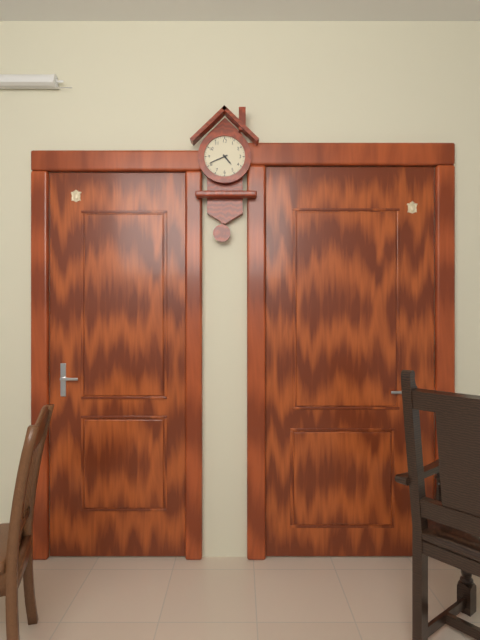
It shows 4,41
